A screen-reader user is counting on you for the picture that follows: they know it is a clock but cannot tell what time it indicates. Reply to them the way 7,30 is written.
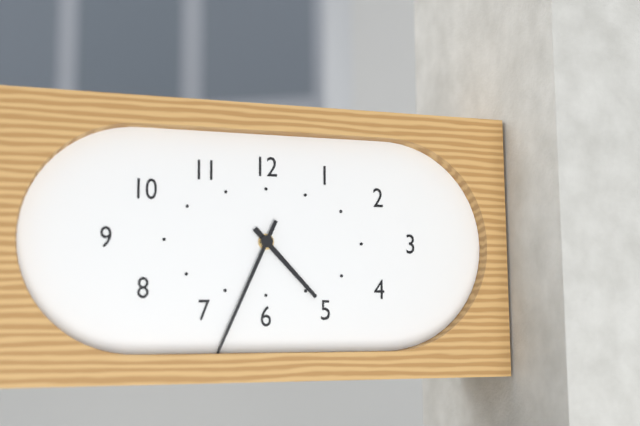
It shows 4,34
